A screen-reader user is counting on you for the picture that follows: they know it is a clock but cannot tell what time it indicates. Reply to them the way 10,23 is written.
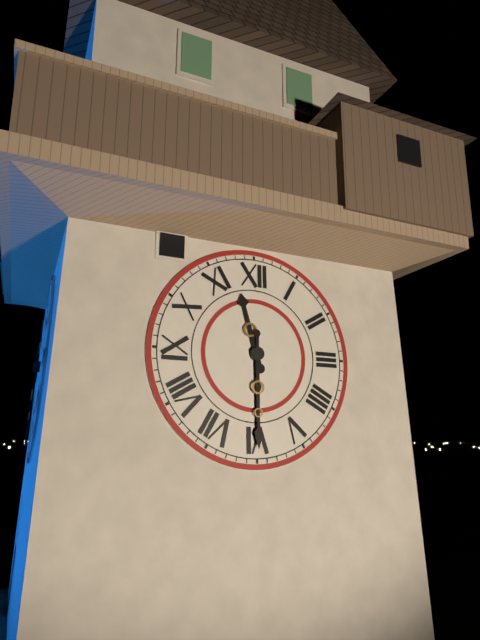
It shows 11,30
